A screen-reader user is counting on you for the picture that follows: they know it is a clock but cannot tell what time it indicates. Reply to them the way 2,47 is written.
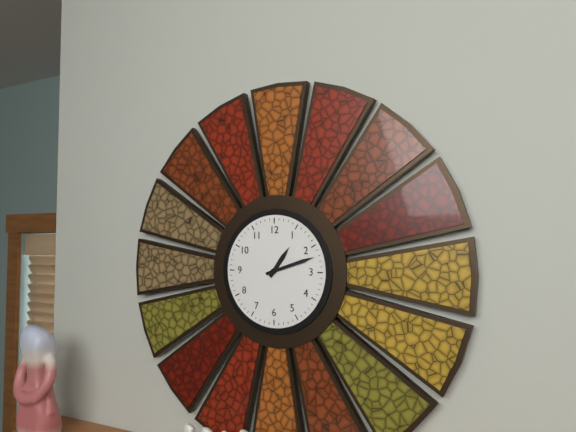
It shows 1,12
